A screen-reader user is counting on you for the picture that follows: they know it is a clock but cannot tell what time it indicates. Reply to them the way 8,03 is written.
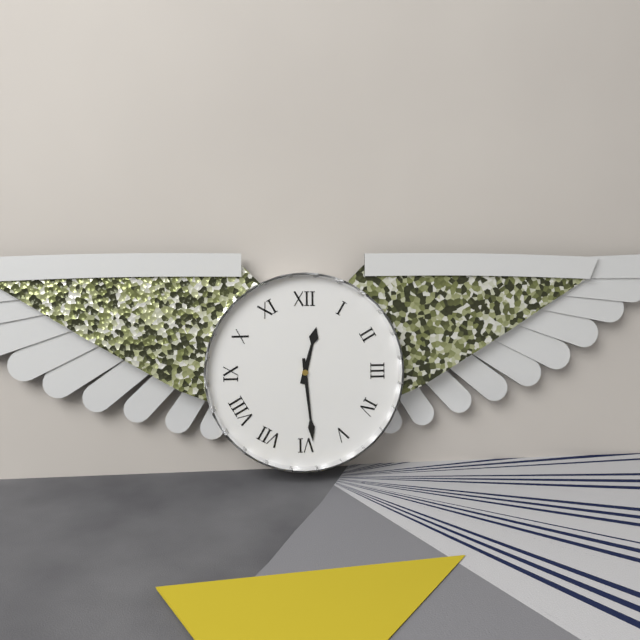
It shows 12,29
